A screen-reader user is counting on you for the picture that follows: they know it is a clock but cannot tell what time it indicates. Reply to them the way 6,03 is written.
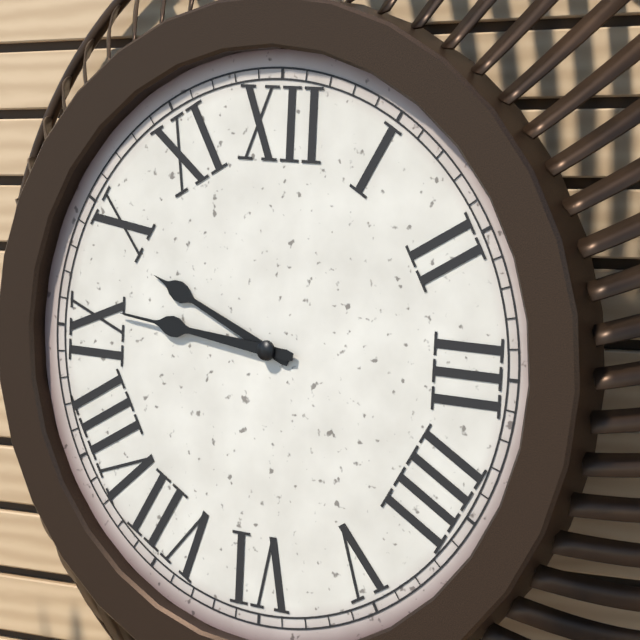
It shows 9,46
